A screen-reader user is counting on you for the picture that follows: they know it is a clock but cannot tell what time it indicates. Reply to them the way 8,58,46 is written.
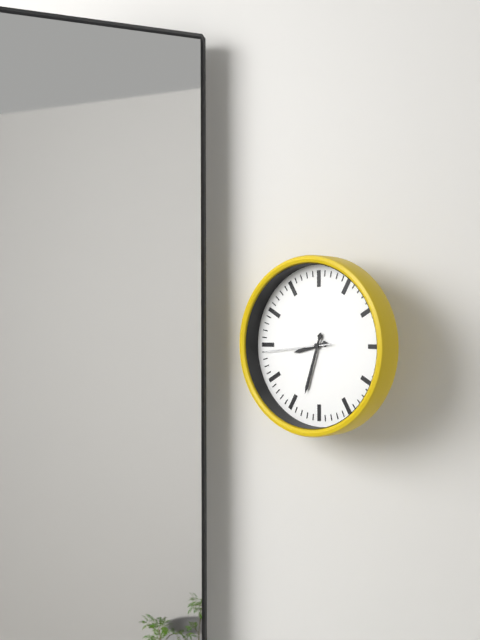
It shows 8,33,44
